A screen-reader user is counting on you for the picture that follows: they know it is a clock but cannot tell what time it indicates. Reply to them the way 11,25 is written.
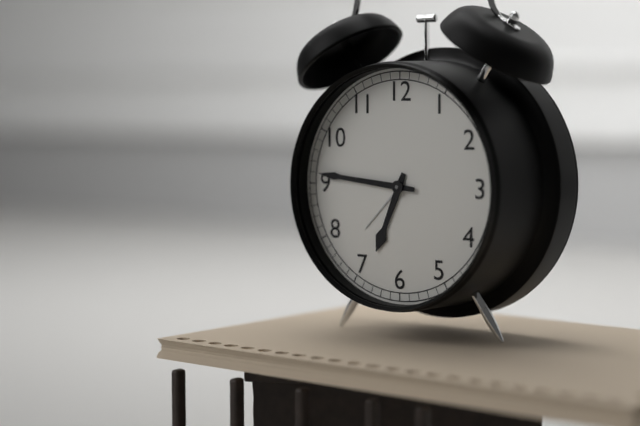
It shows 6,46
